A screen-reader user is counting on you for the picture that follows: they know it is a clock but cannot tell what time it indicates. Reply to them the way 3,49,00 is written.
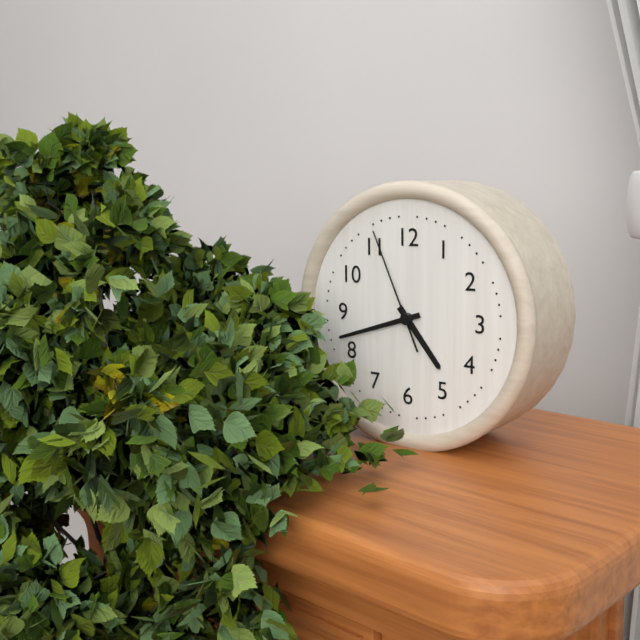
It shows 4,42,56
